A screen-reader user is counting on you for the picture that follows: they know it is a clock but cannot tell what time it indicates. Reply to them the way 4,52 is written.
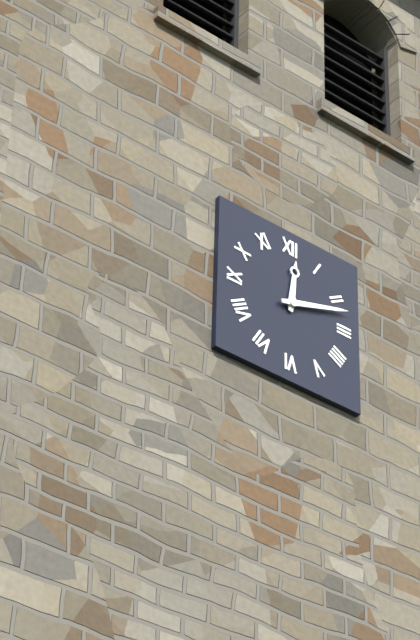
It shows 12,12
